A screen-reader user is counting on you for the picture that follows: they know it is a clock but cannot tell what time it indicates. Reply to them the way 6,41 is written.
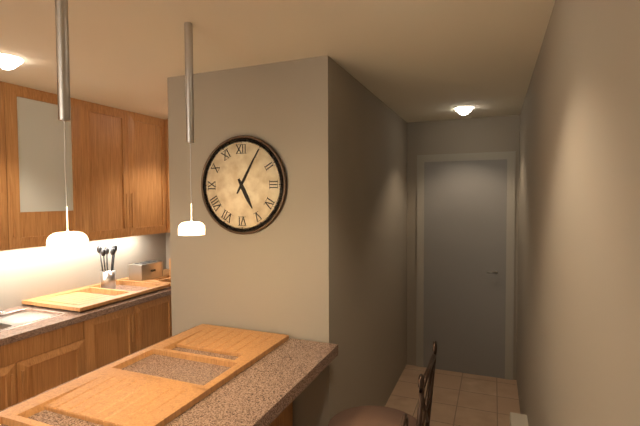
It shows 5,05
